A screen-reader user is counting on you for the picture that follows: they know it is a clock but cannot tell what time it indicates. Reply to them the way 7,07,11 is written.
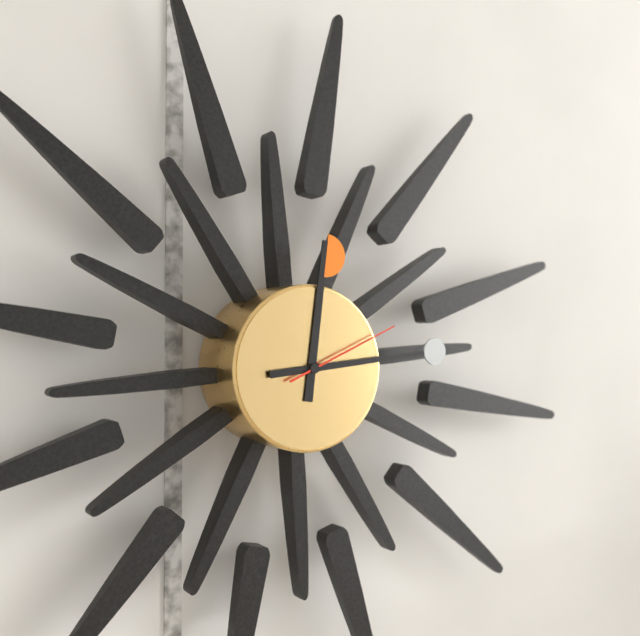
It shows 12,14,11
